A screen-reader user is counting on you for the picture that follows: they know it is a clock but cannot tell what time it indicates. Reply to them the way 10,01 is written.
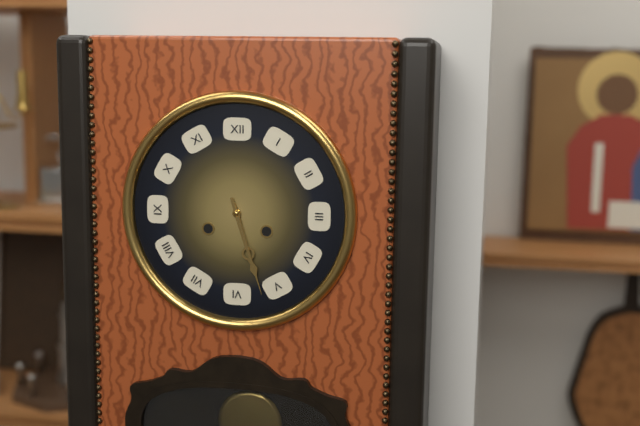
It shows 5,27
